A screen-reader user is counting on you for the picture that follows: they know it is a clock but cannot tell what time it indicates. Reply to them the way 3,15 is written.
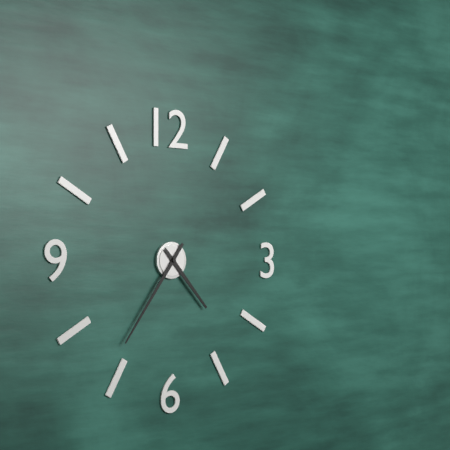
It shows 4,36
